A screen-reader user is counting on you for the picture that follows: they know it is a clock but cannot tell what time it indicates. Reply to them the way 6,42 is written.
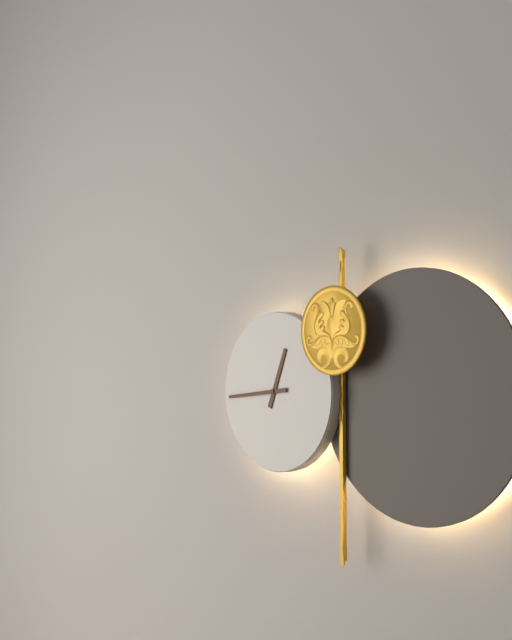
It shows 12,44
